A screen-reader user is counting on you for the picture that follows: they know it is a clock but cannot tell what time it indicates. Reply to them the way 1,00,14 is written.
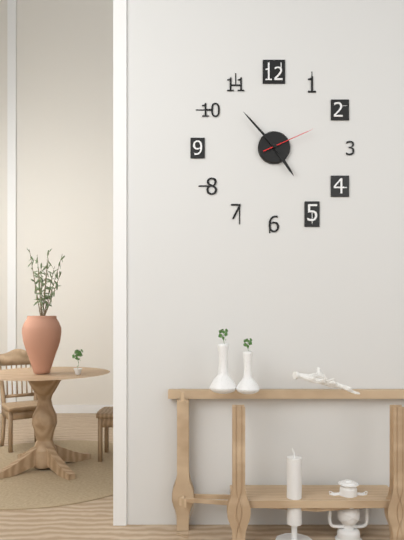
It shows 4,53,11
